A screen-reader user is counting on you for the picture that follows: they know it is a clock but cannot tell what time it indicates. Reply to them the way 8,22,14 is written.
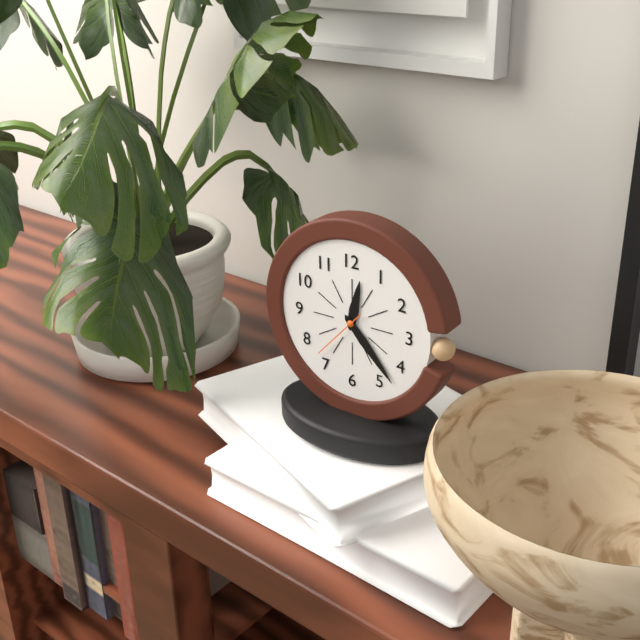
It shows 12,23,37
